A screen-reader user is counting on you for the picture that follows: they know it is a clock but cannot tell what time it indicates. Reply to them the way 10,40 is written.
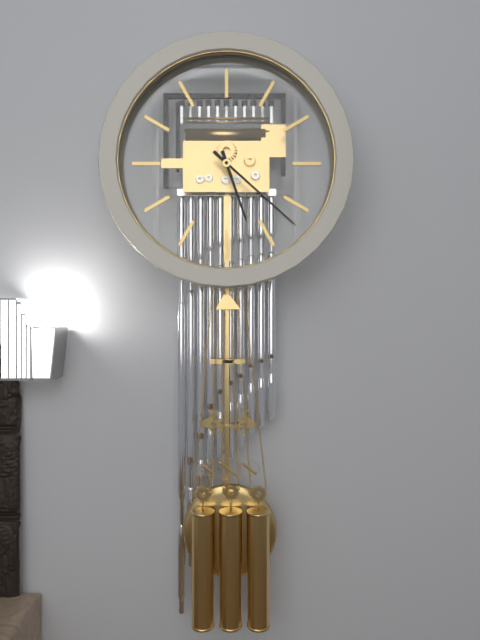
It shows 5,22
